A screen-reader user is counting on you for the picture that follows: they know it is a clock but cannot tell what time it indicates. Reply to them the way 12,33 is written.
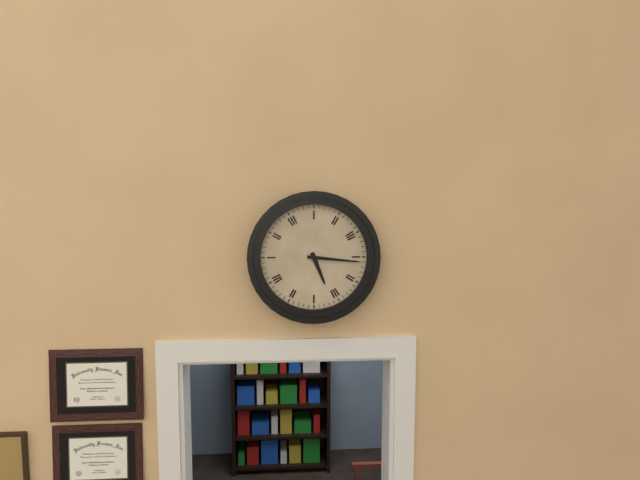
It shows 5,16
